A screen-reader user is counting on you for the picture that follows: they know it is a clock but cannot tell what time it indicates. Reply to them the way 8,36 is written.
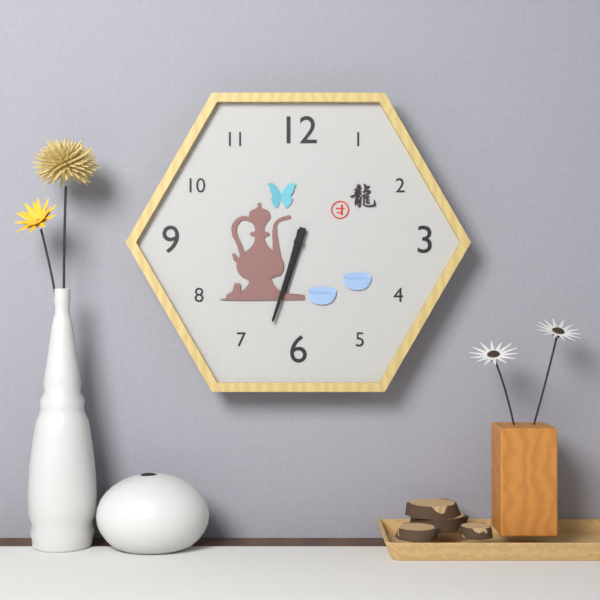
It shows 6,33
